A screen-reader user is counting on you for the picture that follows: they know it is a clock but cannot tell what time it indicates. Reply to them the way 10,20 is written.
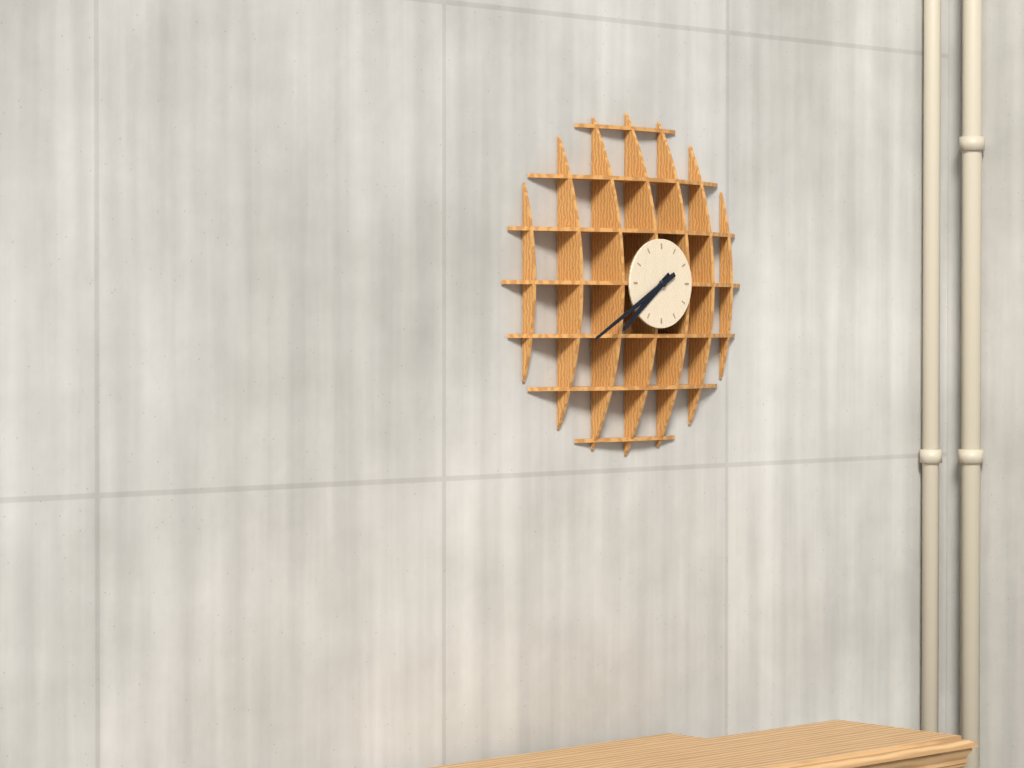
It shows 7,40
